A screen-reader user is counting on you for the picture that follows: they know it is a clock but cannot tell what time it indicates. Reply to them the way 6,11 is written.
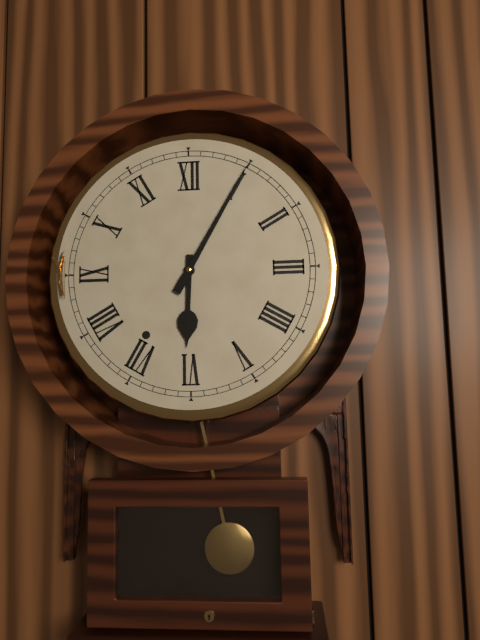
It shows 6,05
